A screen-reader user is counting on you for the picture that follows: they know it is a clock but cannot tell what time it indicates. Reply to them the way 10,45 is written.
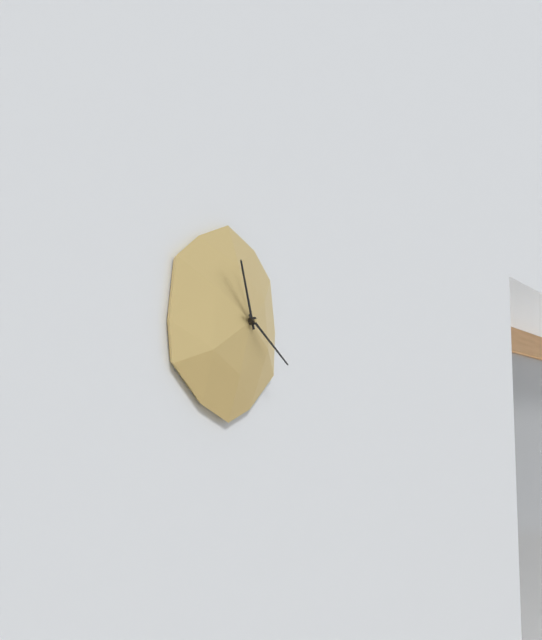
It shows 11,20
